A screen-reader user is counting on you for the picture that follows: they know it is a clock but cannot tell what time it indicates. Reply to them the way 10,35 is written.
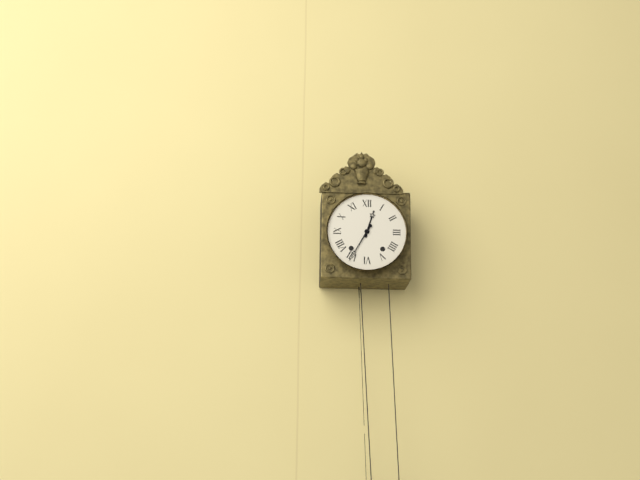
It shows 12,35
